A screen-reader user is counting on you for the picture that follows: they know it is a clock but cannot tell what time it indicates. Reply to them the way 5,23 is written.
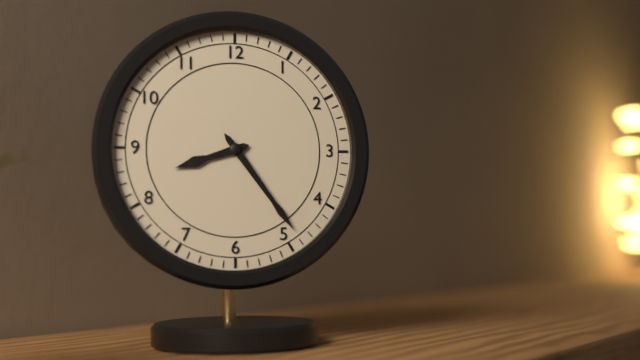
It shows 8,24
